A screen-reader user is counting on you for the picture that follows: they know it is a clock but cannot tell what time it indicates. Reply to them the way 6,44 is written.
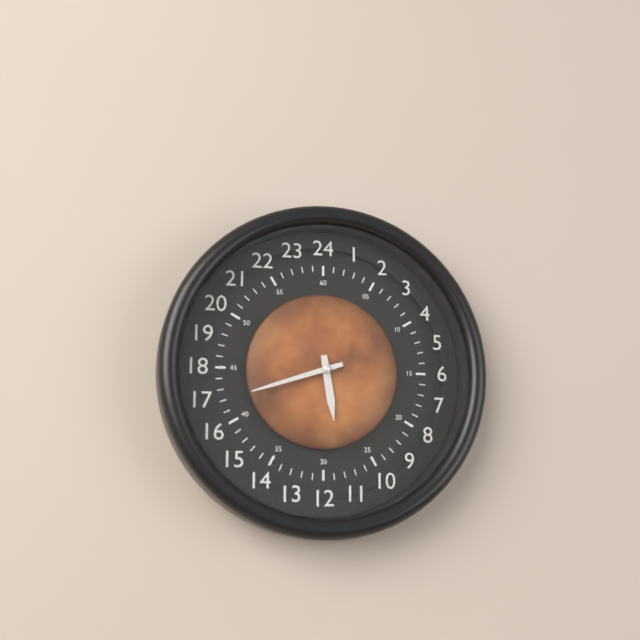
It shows 5,42
